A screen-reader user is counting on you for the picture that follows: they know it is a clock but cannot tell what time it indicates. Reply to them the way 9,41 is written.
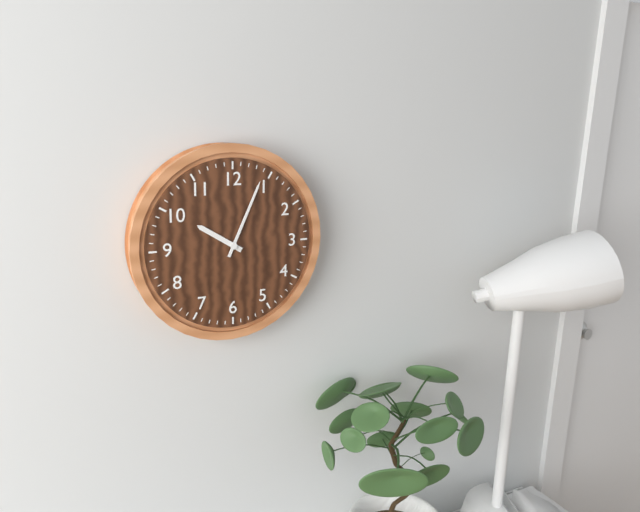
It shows 10,04
